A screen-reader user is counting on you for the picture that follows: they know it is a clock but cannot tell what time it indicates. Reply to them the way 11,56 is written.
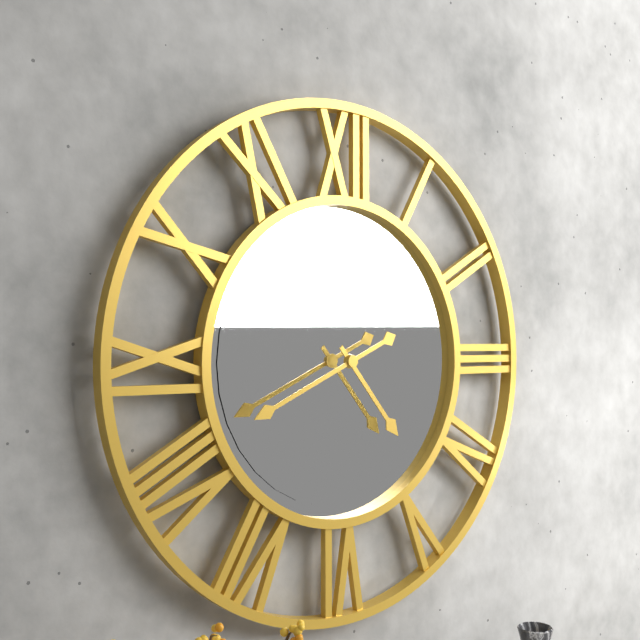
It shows 4,41
